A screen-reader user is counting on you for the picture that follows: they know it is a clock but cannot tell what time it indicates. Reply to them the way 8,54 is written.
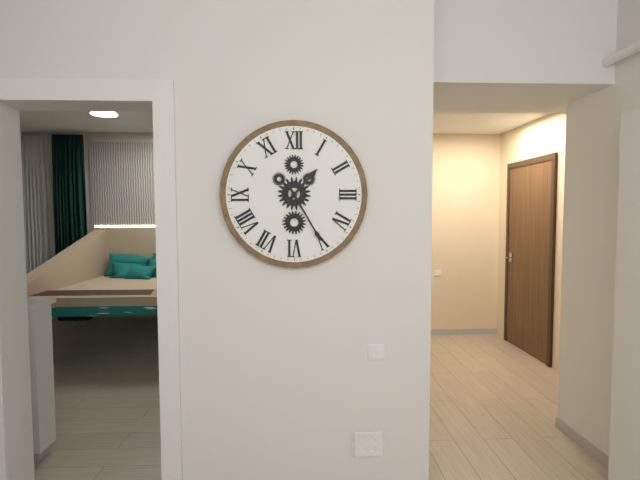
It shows 1,25
